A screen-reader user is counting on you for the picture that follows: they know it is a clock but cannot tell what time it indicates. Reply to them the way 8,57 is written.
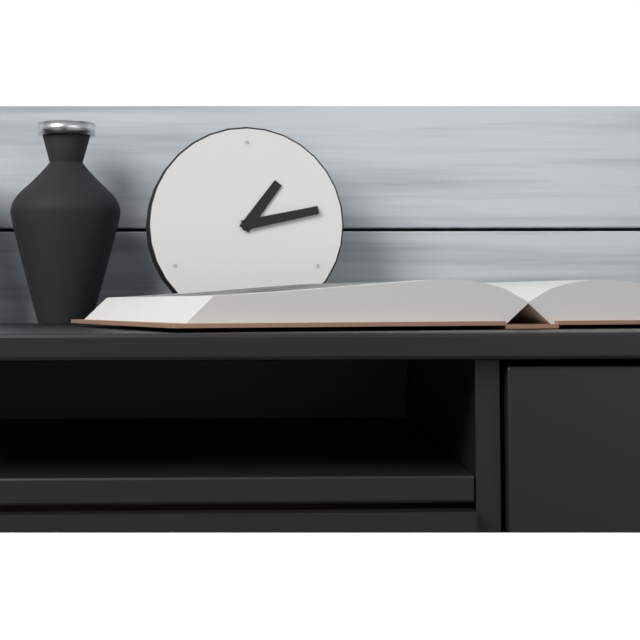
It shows 1,13
